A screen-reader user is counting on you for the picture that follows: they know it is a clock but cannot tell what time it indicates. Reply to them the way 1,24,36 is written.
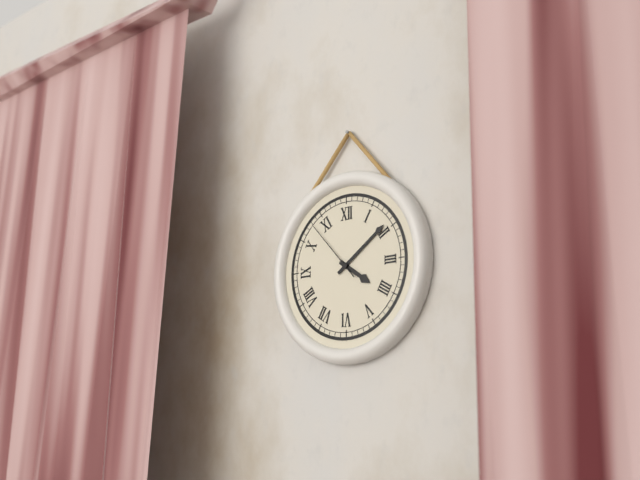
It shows 4,09,53
